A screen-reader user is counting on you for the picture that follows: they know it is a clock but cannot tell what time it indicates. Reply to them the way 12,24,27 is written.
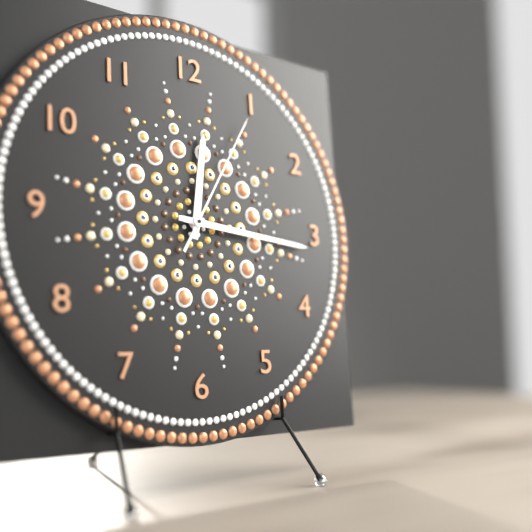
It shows 12,16,05
